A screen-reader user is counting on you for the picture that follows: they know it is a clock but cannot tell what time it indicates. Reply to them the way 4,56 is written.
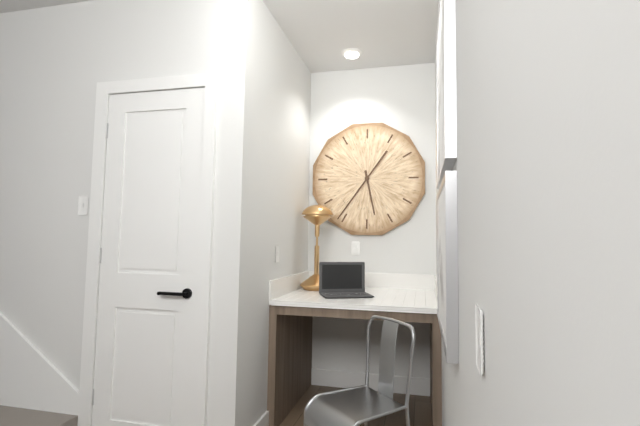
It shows 5,36
